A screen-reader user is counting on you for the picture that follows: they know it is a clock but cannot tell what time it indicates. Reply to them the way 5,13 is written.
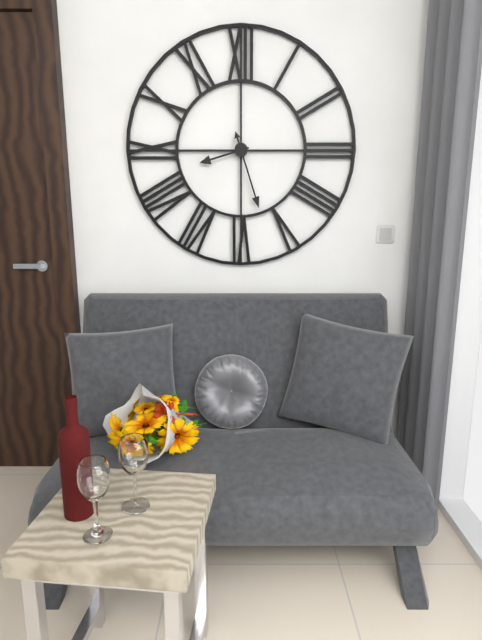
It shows 8,27
